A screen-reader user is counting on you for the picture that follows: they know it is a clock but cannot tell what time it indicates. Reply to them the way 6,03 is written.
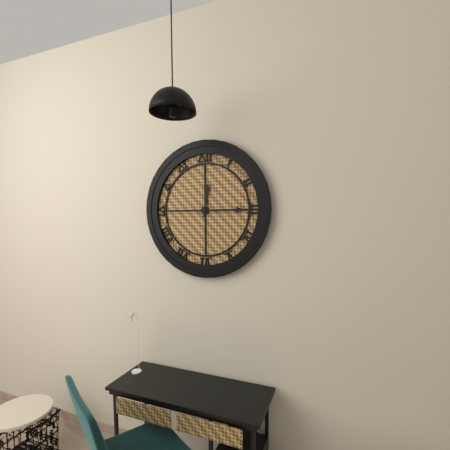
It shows 12,15
